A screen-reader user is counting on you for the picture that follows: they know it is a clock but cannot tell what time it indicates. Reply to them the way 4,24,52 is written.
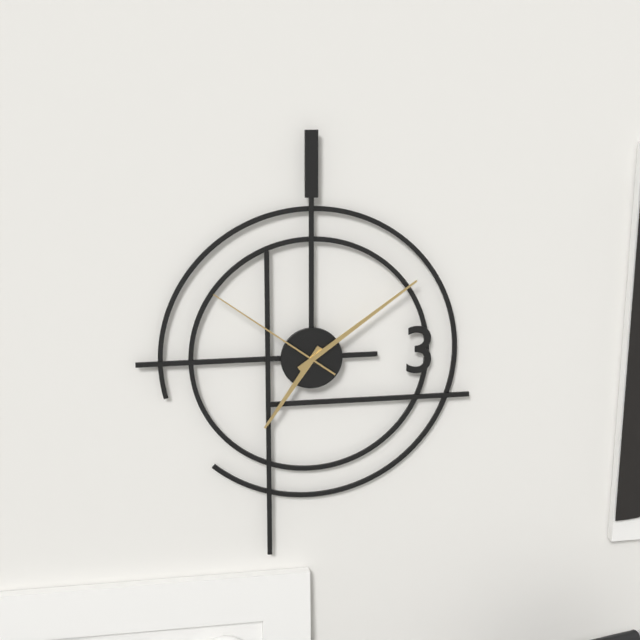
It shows 7,09,51
